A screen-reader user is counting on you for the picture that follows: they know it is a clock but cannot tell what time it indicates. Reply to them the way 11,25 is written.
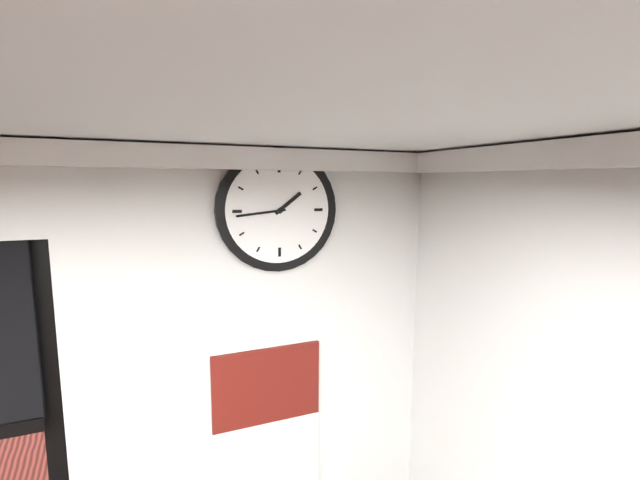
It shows 1,44
